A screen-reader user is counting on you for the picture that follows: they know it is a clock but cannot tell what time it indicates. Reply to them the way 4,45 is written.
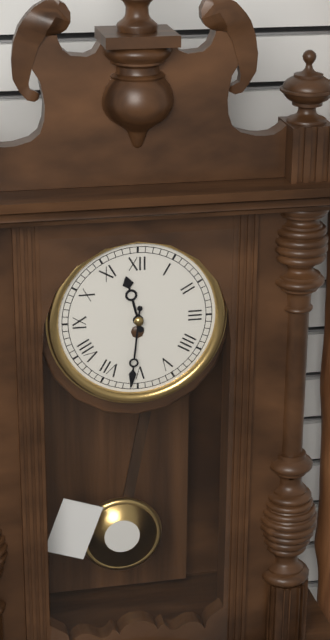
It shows 11,31
